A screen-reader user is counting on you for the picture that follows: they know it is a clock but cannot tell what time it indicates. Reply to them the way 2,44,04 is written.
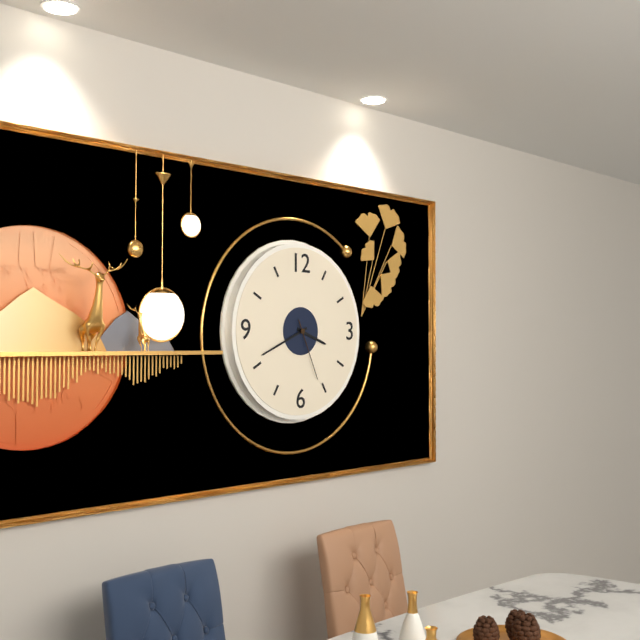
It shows 3,41,26
